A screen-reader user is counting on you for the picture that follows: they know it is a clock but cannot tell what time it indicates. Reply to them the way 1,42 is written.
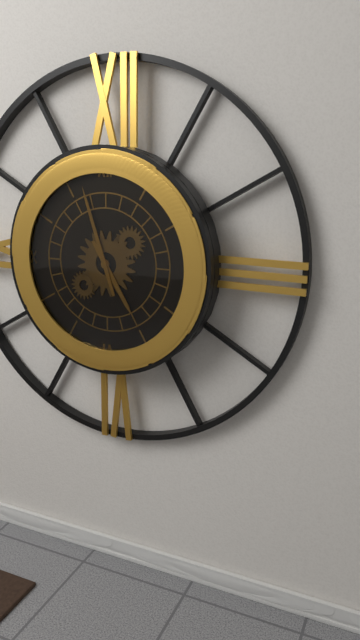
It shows 4,57
